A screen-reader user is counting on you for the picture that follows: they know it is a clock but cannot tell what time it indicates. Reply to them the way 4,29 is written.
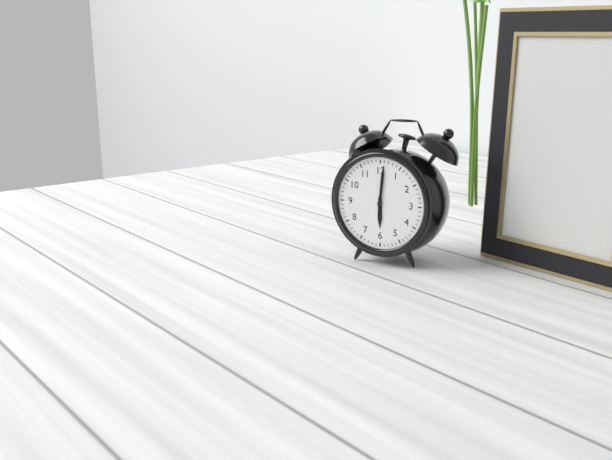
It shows 6,01
